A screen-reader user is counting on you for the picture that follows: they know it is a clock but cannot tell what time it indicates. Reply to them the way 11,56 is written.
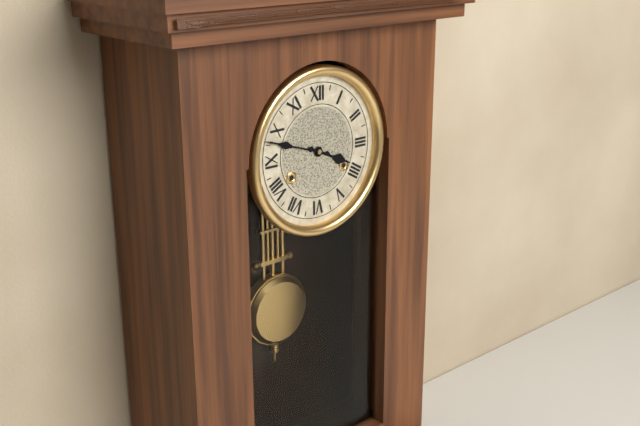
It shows 3,48
